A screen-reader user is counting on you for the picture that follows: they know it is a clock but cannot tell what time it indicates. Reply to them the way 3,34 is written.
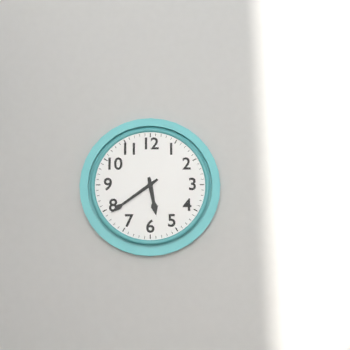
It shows 5,39
